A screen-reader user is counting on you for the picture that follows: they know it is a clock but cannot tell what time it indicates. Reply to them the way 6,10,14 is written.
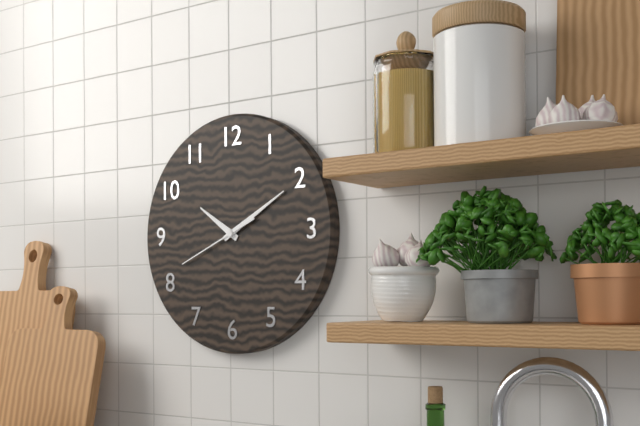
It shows 10,10,41
